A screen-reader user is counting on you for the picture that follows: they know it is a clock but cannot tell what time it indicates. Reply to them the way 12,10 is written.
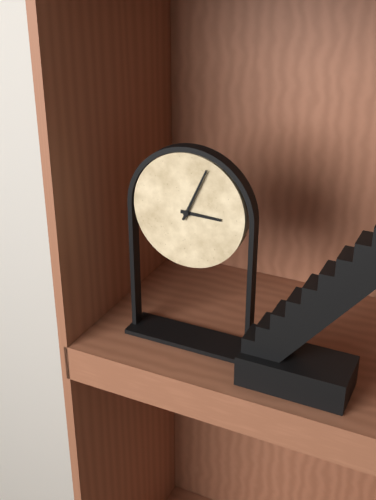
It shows 3,04
